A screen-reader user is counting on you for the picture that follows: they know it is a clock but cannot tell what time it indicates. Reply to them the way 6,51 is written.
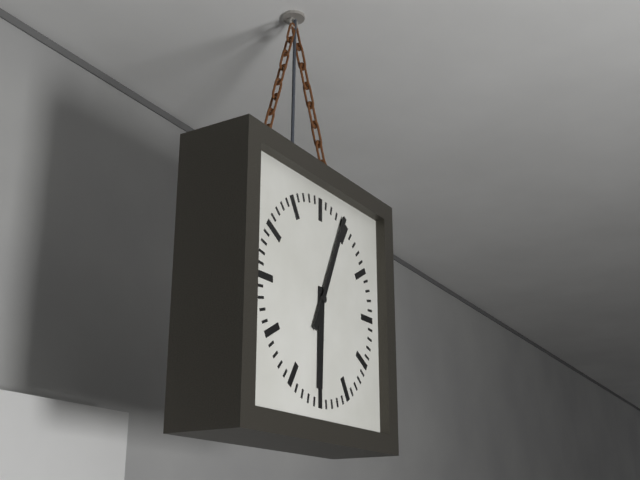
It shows 6,04
